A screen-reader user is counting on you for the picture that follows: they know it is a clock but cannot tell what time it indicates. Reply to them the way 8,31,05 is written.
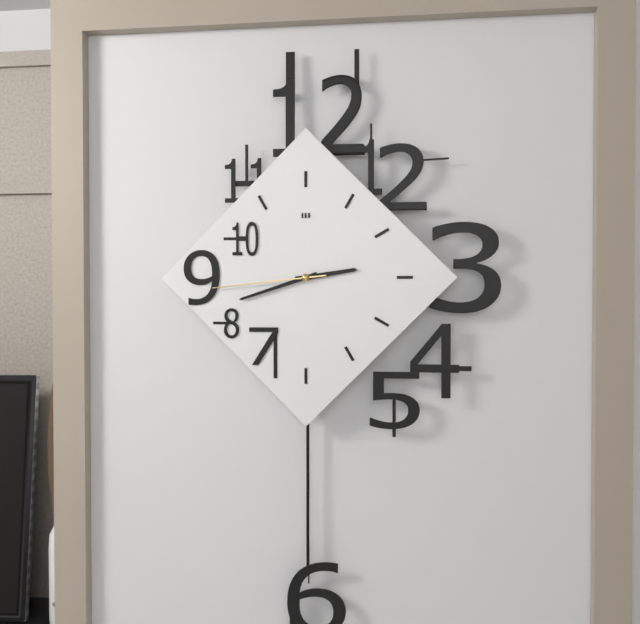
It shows 2,42,44
